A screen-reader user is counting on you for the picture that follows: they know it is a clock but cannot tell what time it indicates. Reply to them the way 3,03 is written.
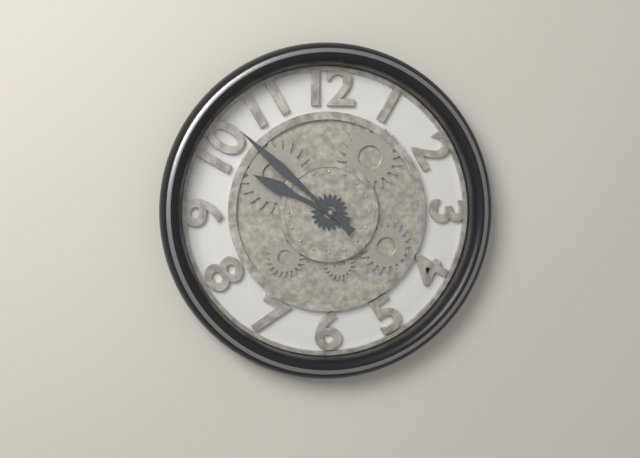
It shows 9,52
